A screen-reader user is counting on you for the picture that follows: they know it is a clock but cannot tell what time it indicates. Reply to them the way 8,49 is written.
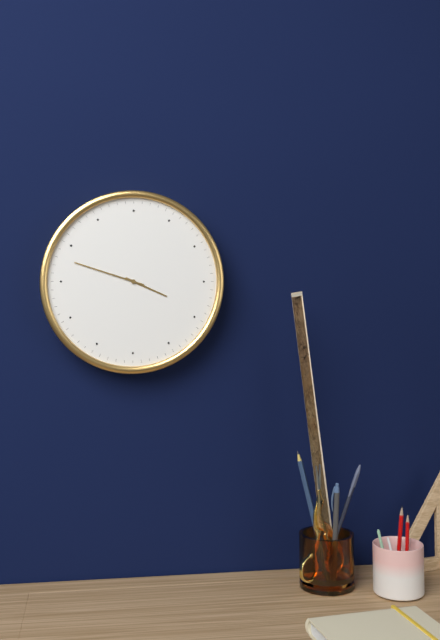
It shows 3,48
